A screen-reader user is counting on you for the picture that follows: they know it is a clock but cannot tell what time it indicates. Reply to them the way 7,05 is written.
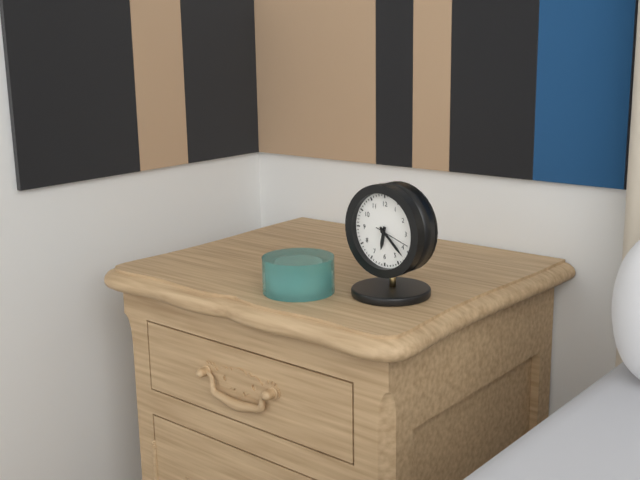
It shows 6,22
